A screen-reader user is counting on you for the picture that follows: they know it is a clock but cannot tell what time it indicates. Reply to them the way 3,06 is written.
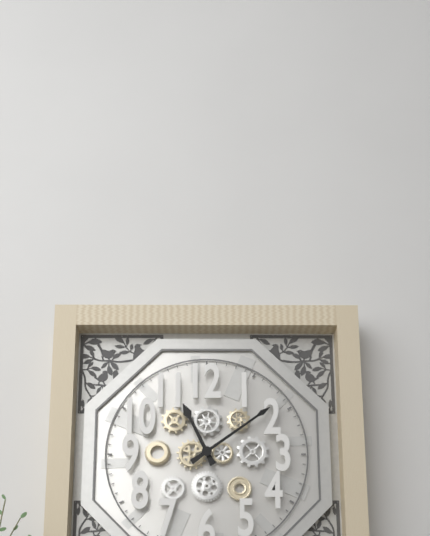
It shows 11,09
